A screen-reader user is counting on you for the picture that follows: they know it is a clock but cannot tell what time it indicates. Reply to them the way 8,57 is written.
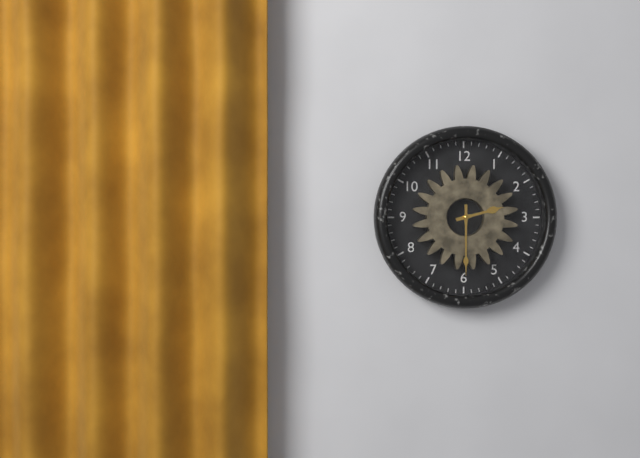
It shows 2,30
